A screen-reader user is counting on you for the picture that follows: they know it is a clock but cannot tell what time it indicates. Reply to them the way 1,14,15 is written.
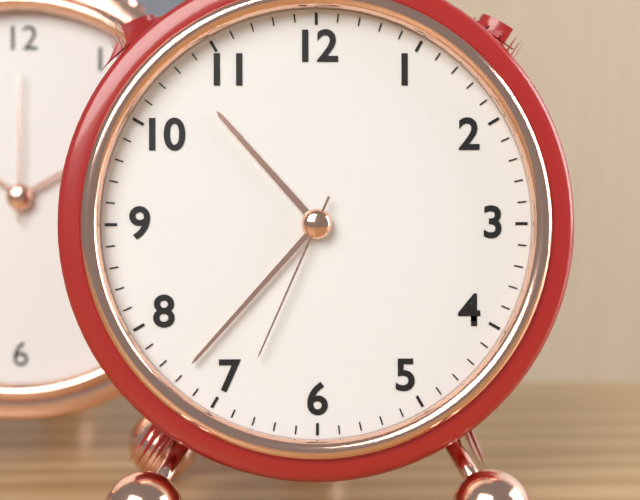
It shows 10,37,34
